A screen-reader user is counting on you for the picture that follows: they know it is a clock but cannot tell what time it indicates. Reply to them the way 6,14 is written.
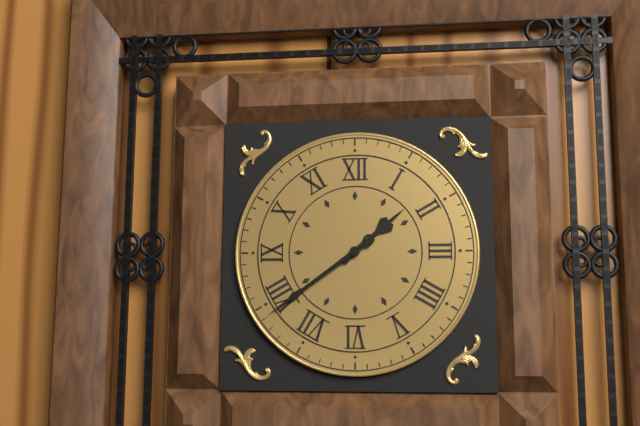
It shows 1,39
